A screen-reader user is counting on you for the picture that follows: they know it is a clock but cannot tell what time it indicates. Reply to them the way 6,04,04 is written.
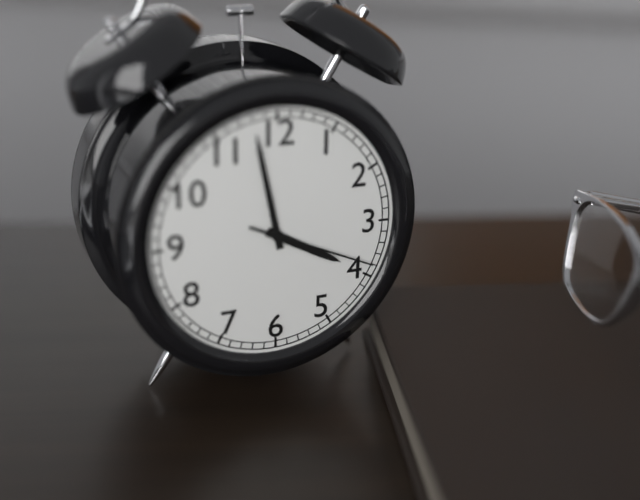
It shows 3,58,19
